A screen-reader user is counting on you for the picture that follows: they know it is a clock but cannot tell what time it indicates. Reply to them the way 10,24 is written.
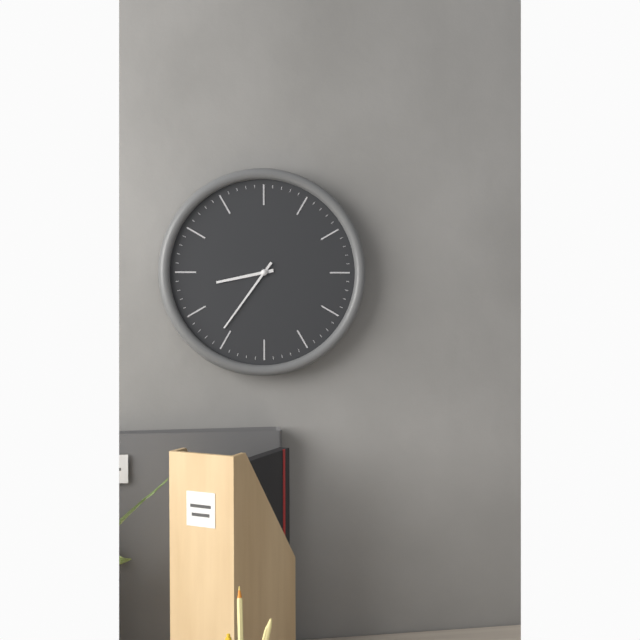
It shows 8,36
